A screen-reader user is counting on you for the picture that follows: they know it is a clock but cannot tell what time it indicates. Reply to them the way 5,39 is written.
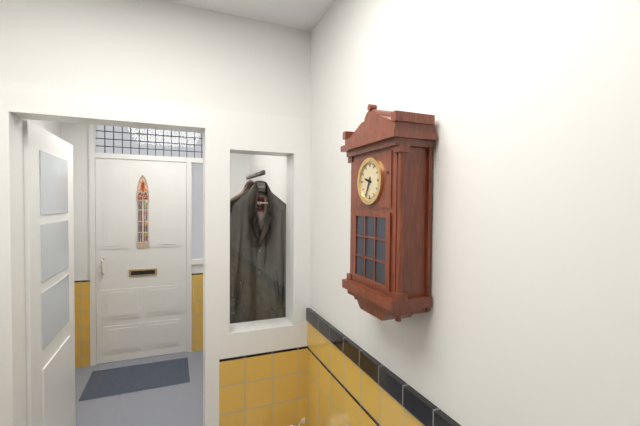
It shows 9,34
